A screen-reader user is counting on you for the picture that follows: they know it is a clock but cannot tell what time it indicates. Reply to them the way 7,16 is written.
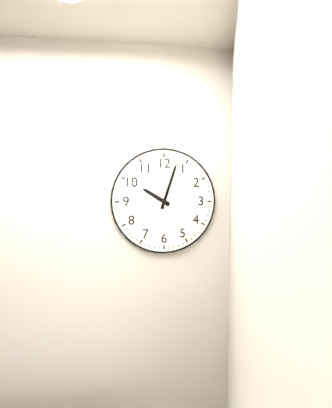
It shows 10,03
